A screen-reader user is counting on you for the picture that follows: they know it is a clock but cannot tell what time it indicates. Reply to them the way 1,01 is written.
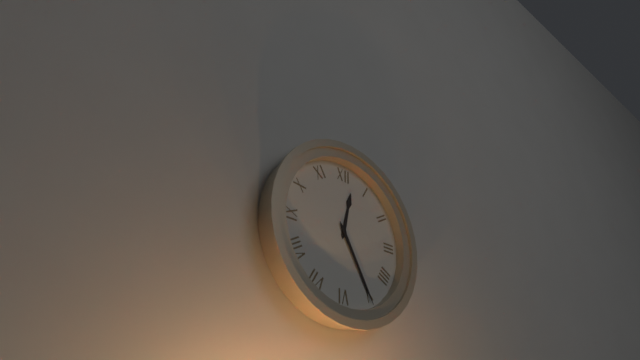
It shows 12,25
